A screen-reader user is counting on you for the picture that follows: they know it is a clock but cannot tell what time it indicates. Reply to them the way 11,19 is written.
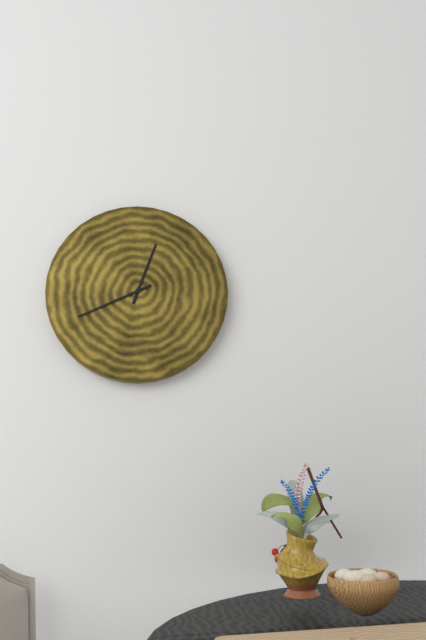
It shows 12,41
